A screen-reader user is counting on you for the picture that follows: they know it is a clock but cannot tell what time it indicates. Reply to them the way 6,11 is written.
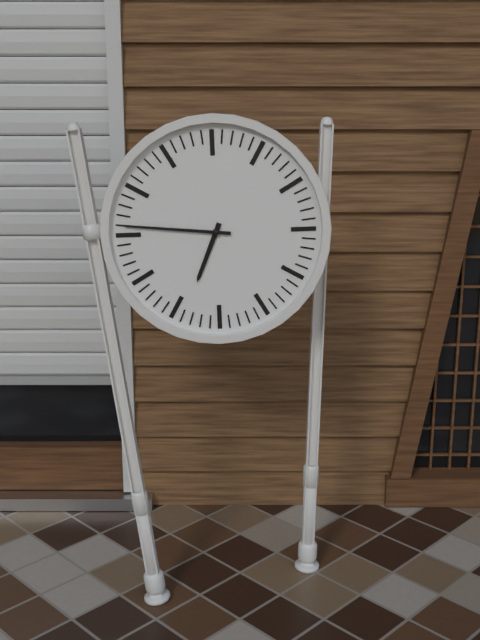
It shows 6,46
